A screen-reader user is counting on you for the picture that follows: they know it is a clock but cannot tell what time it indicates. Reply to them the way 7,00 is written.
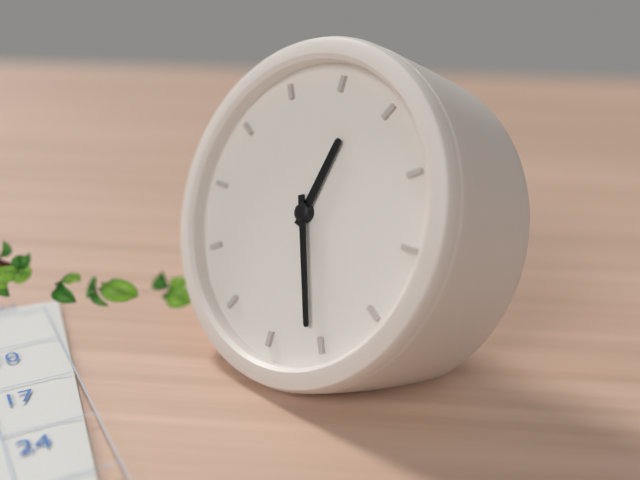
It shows 12,26
